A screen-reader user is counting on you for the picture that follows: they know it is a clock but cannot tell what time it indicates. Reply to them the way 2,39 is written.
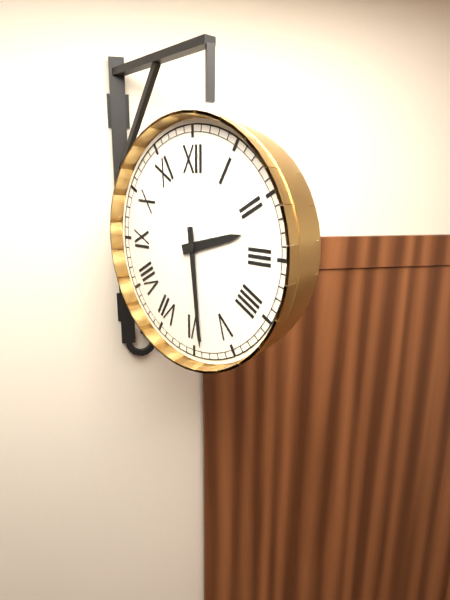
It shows 2,29
